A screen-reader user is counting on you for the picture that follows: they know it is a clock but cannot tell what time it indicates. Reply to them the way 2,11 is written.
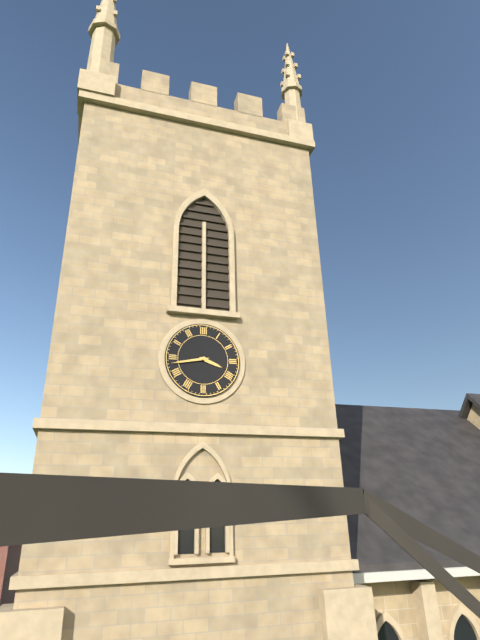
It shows 3,43
